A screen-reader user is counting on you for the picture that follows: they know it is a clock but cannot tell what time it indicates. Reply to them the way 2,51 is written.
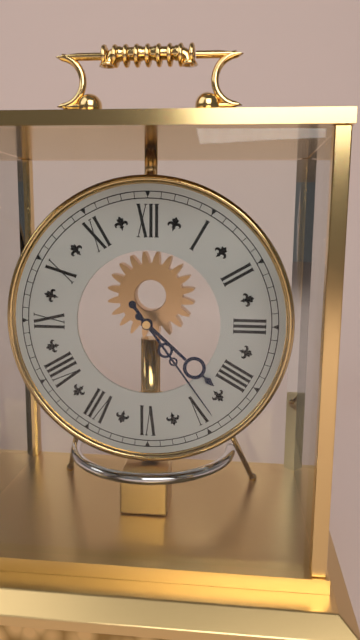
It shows 4,24
